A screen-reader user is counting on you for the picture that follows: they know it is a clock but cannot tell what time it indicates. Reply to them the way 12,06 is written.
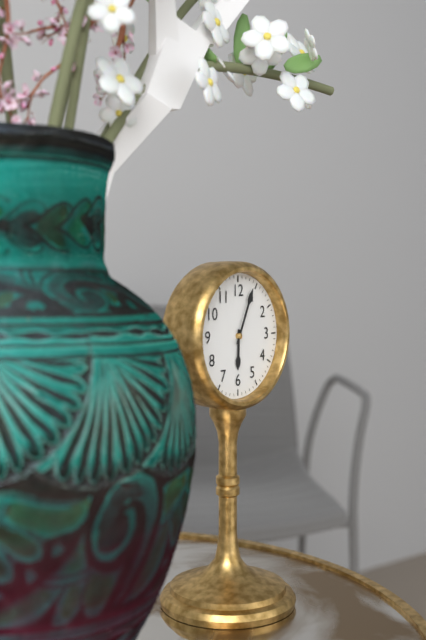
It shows 6,04
